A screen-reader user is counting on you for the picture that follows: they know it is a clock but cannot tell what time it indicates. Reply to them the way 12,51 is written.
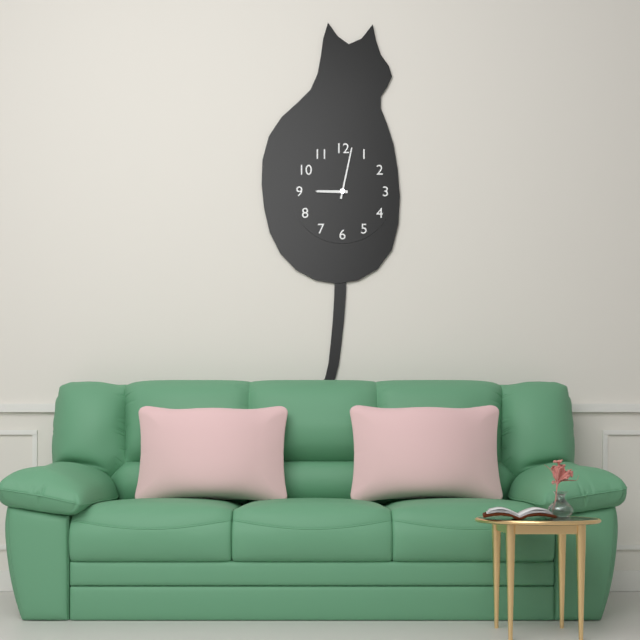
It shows 9,02
